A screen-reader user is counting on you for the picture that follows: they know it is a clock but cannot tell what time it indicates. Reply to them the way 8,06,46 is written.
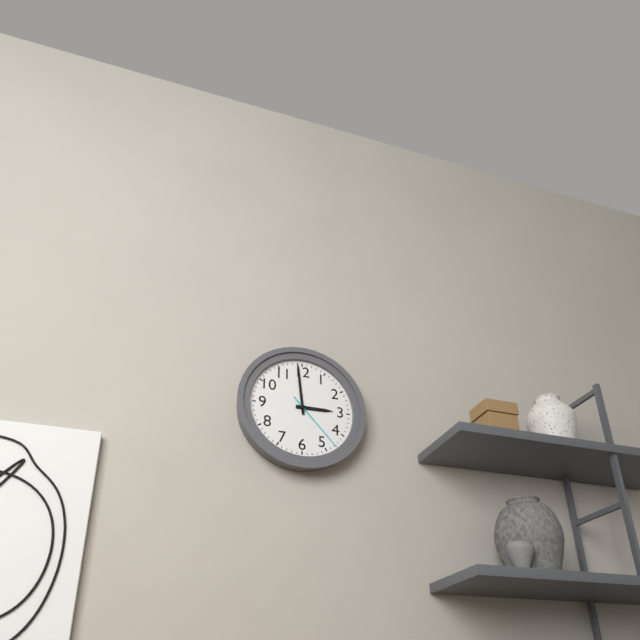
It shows 2,59,23
